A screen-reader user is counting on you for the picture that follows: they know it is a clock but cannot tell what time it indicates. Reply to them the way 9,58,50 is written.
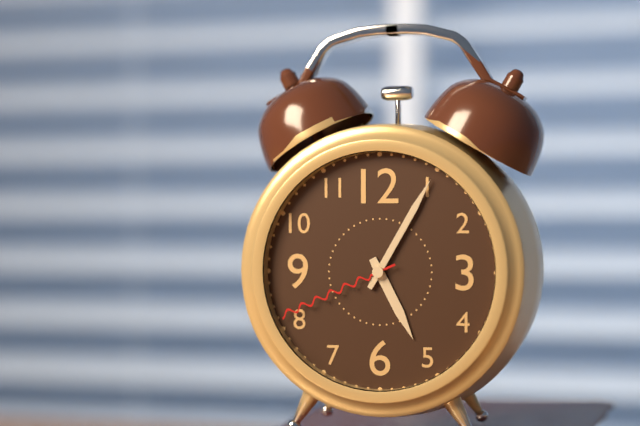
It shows 5,05,41
